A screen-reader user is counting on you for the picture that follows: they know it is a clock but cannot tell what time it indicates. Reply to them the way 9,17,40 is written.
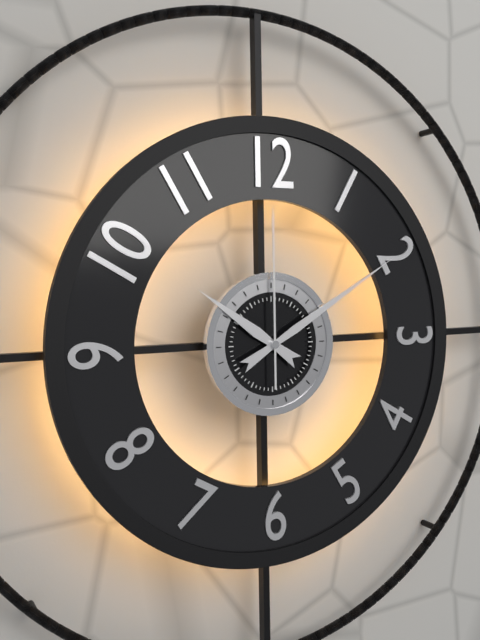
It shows 10,10,00
